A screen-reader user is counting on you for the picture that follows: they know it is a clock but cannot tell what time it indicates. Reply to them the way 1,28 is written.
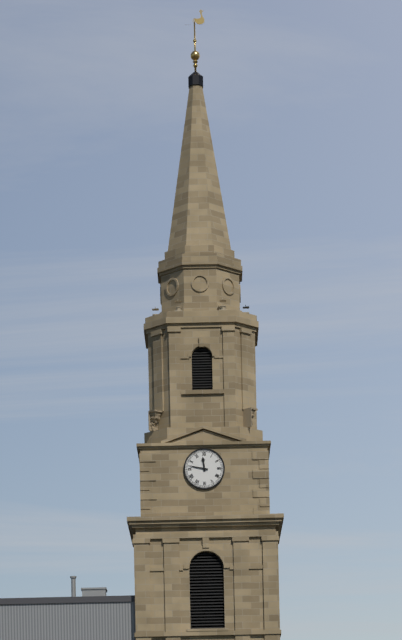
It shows 11,47
